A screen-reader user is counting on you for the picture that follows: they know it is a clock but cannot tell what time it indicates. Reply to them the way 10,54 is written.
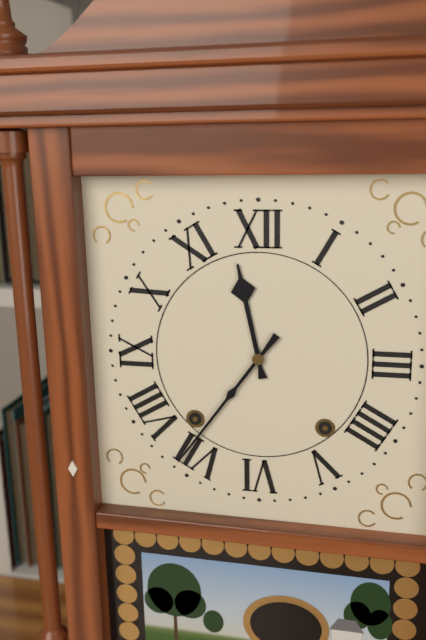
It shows 11,36
